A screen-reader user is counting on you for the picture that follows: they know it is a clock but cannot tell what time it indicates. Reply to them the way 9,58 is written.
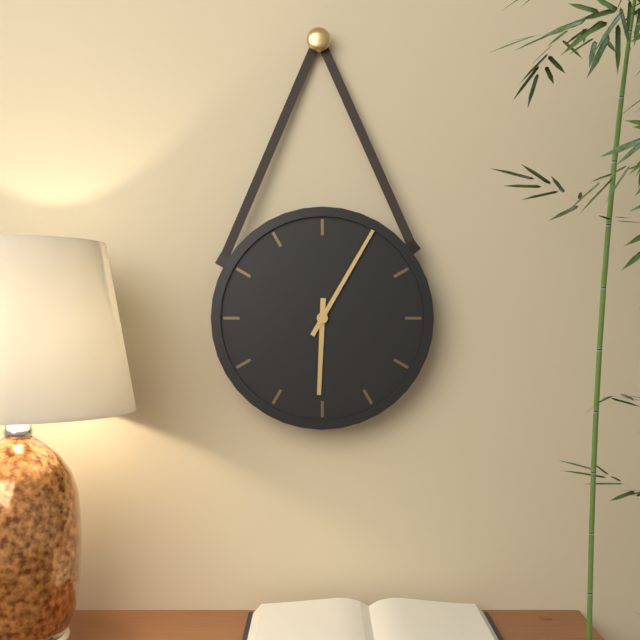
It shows 6,05
